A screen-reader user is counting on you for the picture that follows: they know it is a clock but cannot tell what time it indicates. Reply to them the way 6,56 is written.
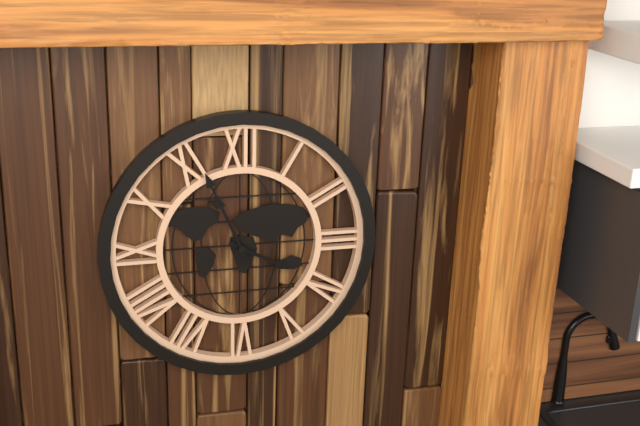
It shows 3,56
